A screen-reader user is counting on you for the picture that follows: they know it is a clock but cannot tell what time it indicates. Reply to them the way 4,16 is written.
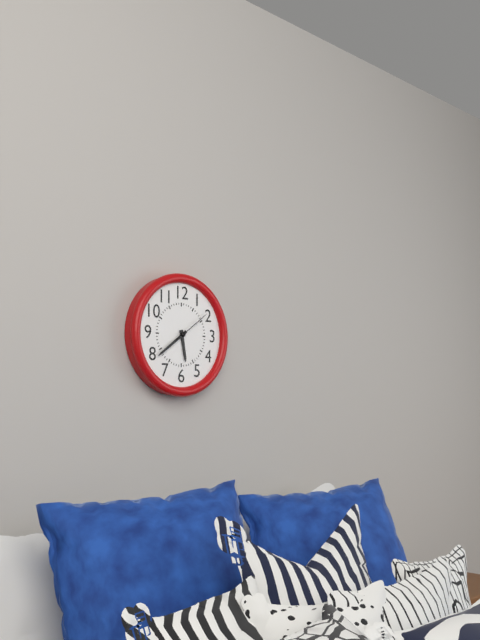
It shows 5,39
